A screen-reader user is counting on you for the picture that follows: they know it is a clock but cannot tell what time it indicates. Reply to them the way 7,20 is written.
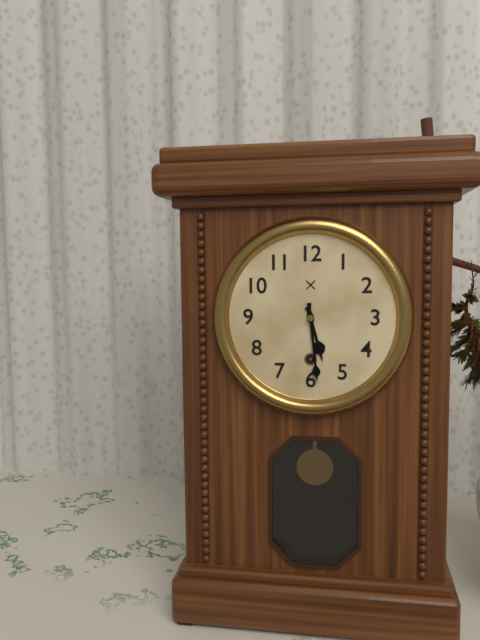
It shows 5,29
